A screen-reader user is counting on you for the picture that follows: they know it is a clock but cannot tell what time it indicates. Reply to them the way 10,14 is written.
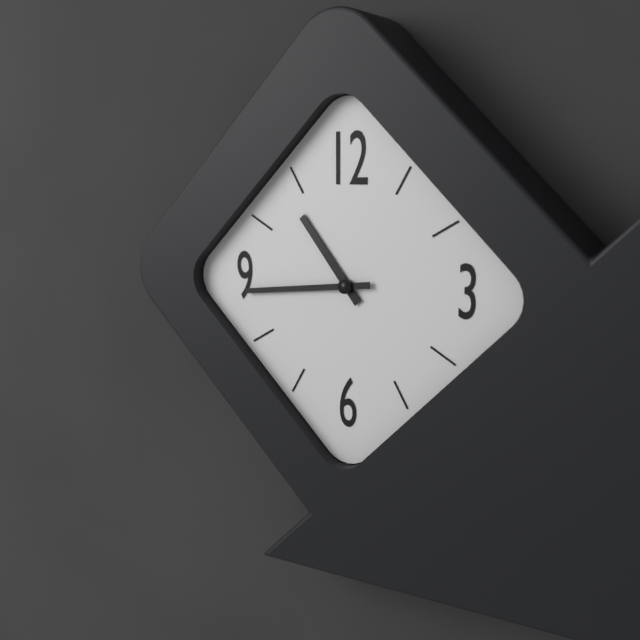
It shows 10,44
